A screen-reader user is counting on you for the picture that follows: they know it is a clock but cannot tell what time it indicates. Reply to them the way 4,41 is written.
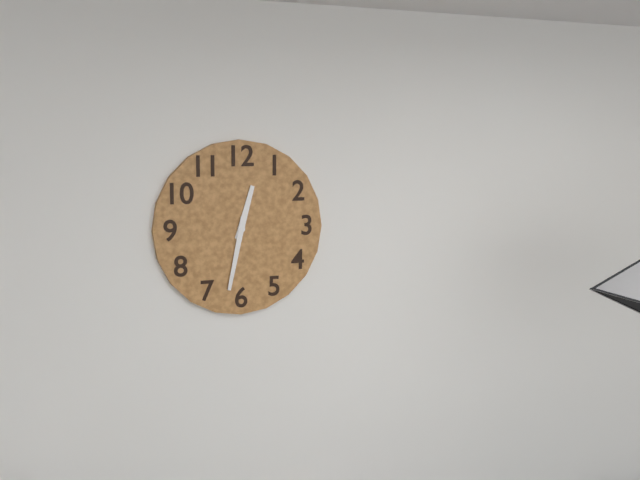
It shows 12,32
